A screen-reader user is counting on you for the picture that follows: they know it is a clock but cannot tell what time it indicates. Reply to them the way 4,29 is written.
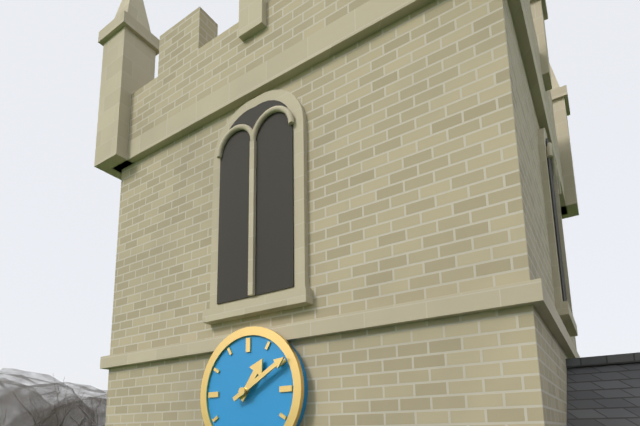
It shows 1,10
